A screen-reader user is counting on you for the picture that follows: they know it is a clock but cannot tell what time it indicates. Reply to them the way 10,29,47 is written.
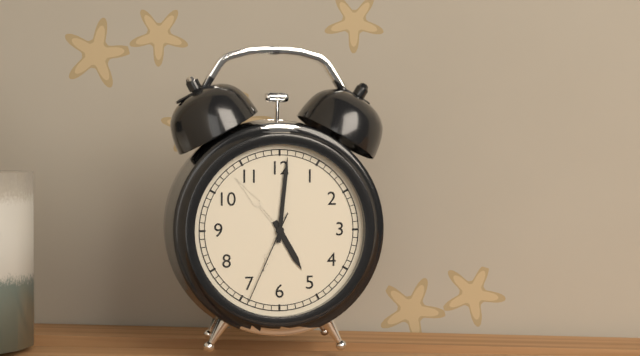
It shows 5,01,34
